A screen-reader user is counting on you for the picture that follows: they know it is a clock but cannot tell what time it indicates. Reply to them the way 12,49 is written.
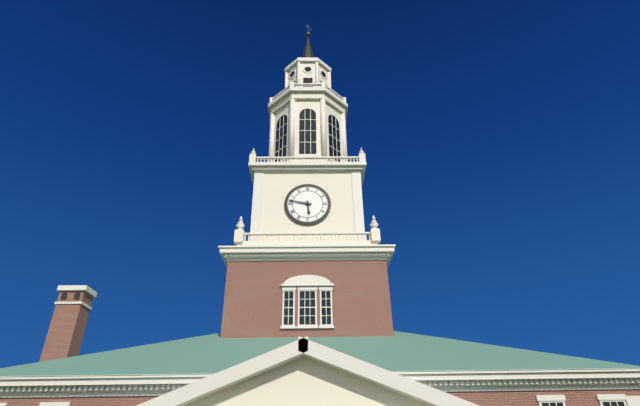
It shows 5,47
